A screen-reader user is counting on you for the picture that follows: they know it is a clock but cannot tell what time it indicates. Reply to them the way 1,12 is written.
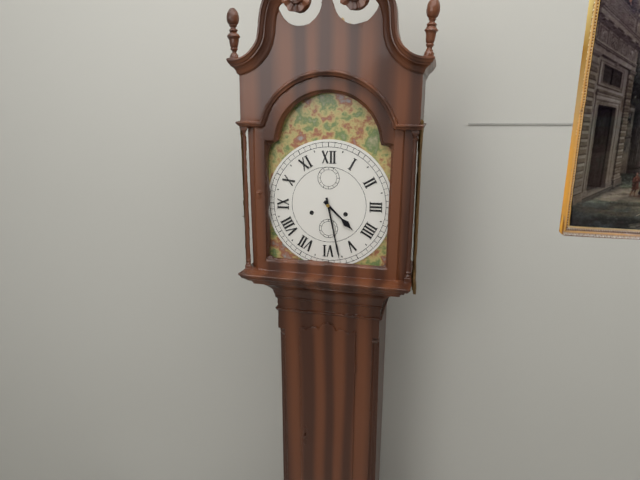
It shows 4,28
